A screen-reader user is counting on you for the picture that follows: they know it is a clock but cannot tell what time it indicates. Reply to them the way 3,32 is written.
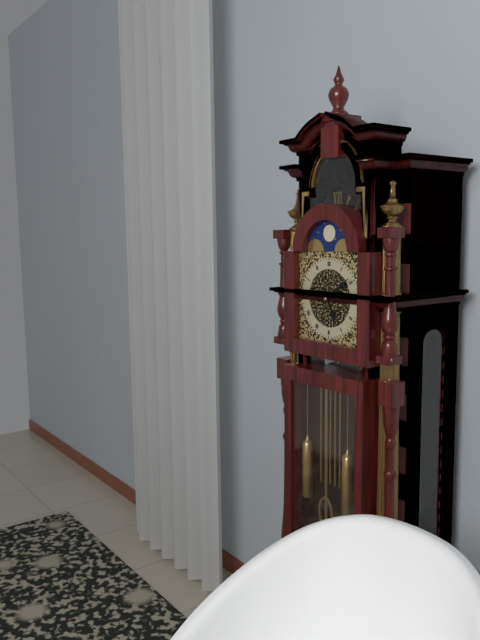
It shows 5,09
